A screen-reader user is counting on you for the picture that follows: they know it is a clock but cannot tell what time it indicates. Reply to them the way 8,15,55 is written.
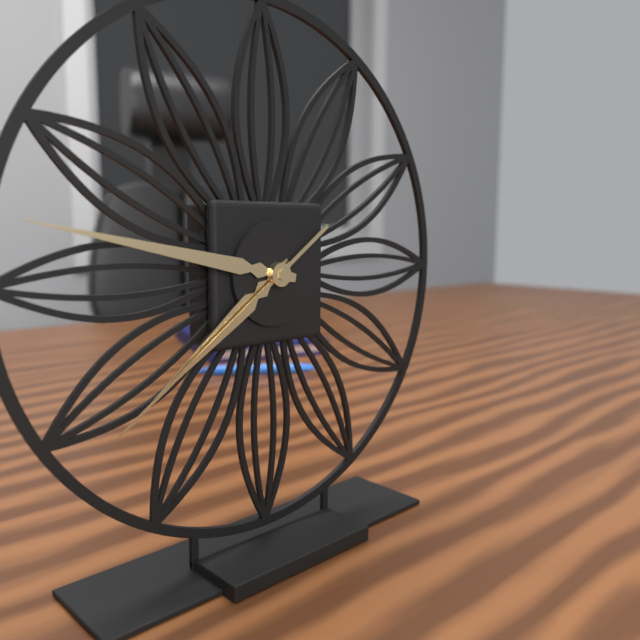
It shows 7,47,39
